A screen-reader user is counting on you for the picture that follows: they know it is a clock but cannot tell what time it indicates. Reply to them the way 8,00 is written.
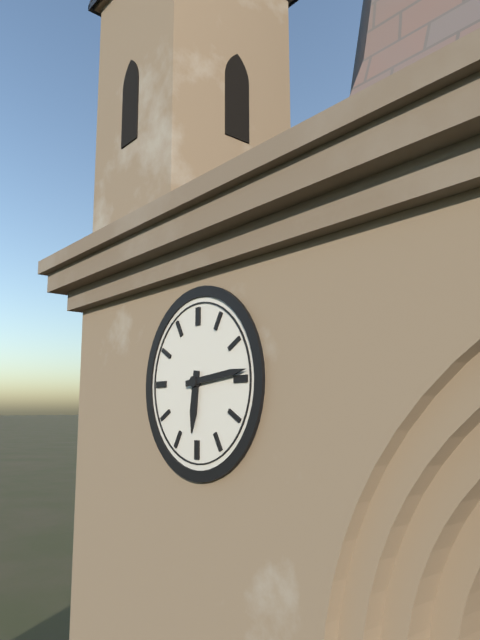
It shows 6,14
